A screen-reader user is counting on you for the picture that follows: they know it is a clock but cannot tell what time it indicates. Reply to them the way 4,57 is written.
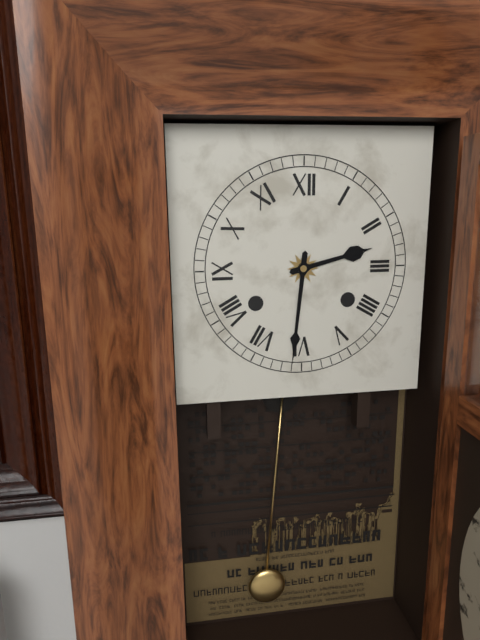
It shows 2,31
